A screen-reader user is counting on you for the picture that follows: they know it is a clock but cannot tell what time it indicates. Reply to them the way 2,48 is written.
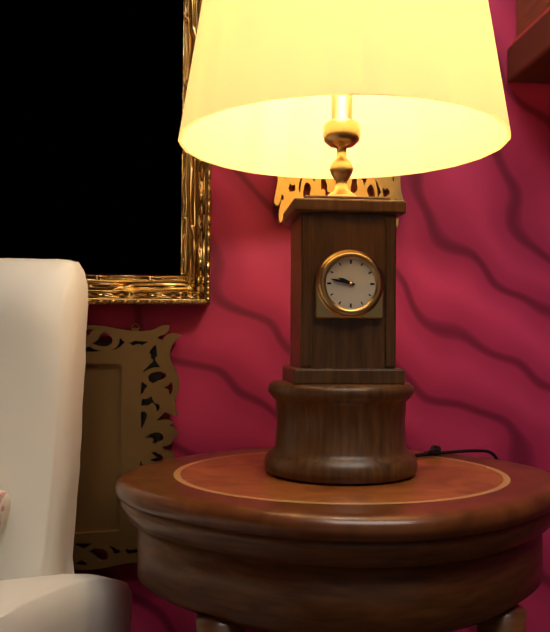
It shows 9,47
